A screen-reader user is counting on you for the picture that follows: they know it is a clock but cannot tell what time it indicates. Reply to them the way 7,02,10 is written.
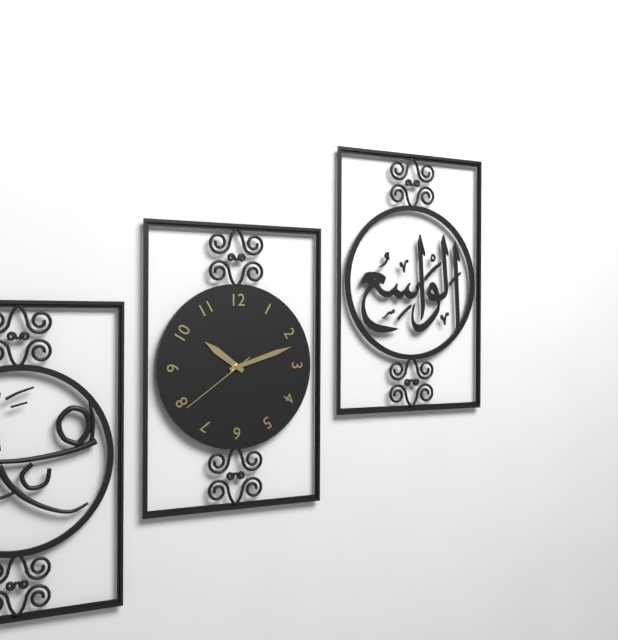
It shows 10,12,39
